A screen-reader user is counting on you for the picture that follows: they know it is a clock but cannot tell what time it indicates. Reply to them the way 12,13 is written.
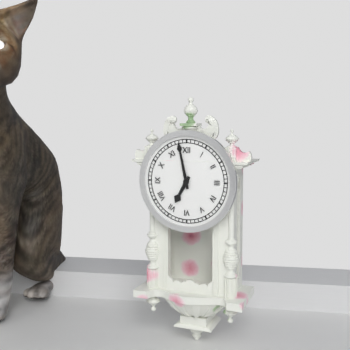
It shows 6,58
